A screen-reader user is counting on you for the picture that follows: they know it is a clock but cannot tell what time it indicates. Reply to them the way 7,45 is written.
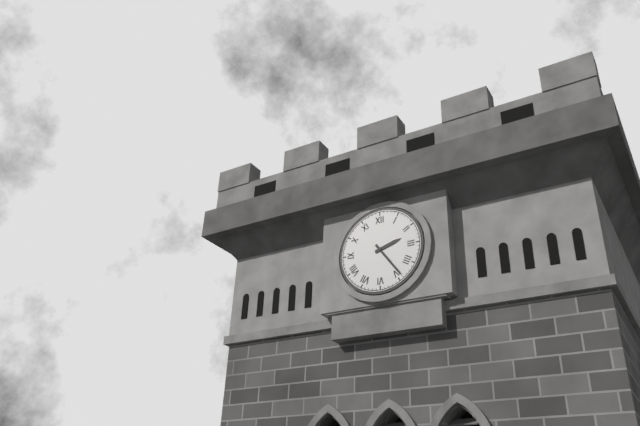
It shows 2,24
